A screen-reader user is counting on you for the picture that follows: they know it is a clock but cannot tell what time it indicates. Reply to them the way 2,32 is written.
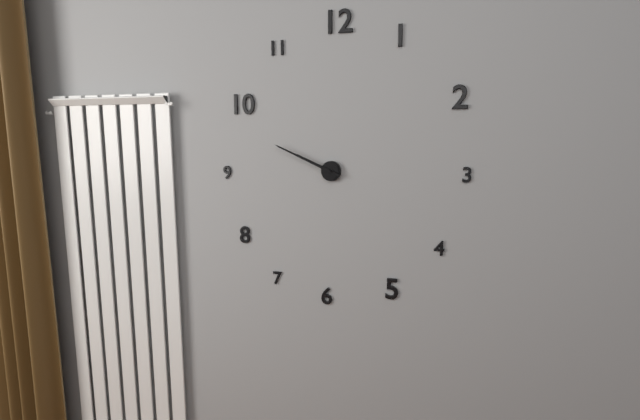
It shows 9,49
